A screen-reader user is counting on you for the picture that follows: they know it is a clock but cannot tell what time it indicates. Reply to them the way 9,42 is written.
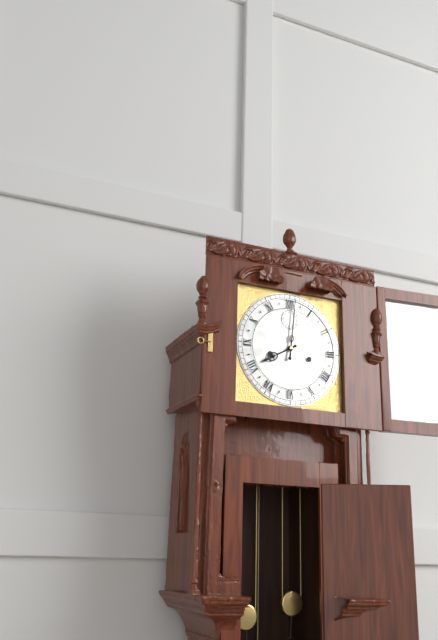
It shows 8,01
